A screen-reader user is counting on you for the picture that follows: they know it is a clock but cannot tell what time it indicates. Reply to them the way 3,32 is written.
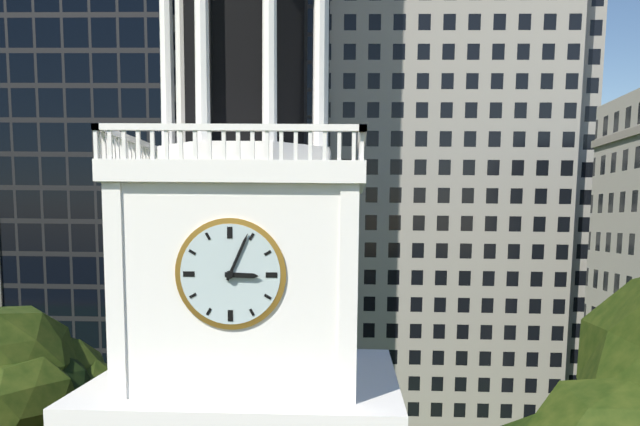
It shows 3,04
